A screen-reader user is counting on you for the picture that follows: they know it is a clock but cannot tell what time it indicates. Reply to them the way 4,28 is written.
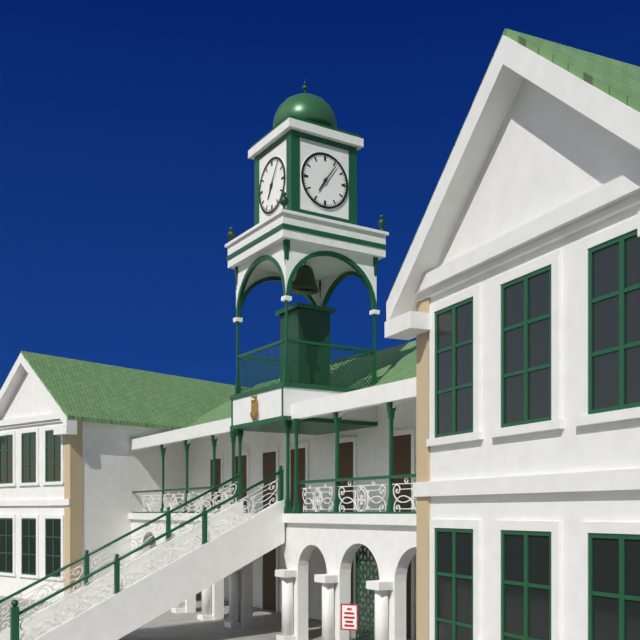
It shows 7,06
